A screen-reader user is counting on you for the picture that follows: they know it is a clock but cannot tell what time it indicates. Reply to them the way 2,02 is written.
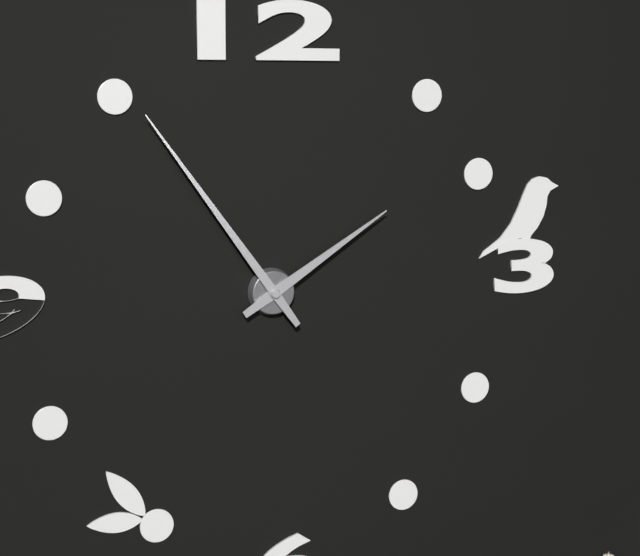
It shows 1,54
